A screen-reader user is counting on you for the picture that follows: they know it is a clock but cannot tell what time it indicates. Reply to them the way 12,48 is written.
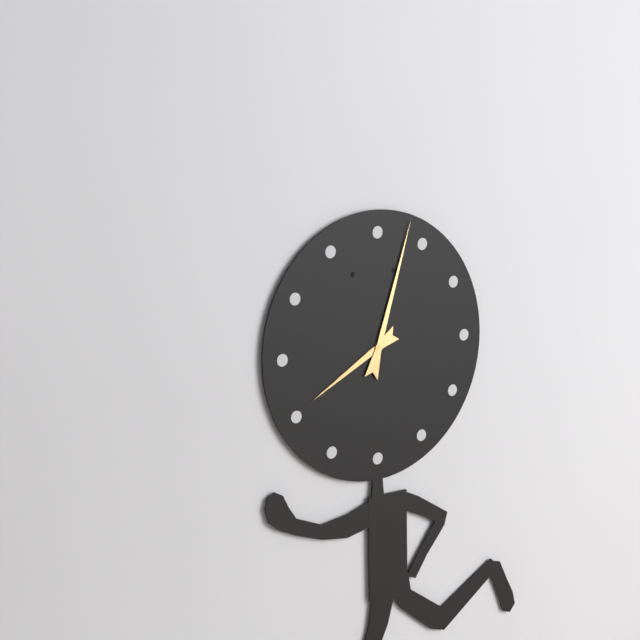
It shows 8,03
